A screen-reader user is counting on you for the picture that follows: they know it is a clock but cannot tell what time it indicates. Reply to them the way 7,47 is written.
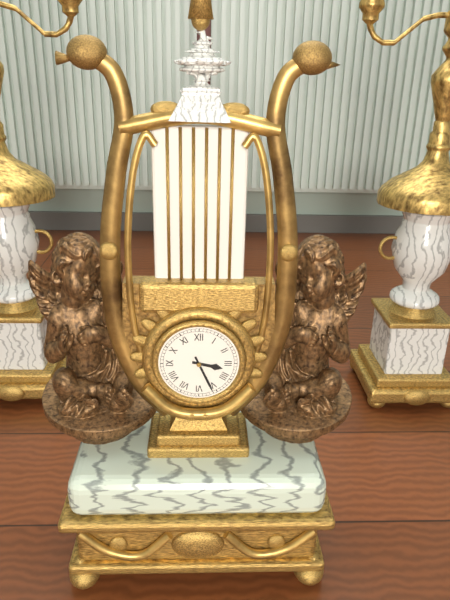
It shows 3,26
